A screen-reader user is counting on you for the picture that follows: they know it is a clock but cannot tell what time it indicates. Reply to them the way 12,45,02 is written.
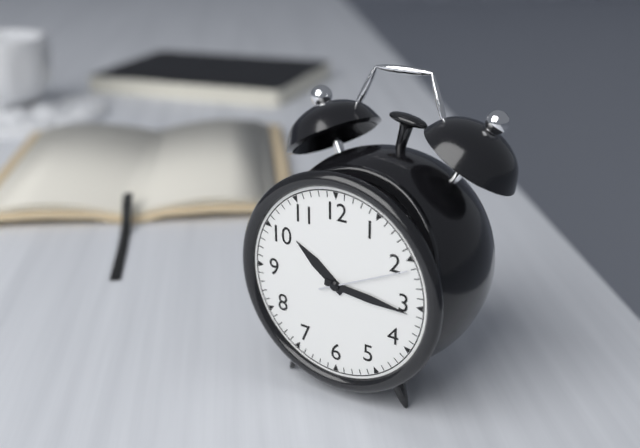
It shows 10,16,11
